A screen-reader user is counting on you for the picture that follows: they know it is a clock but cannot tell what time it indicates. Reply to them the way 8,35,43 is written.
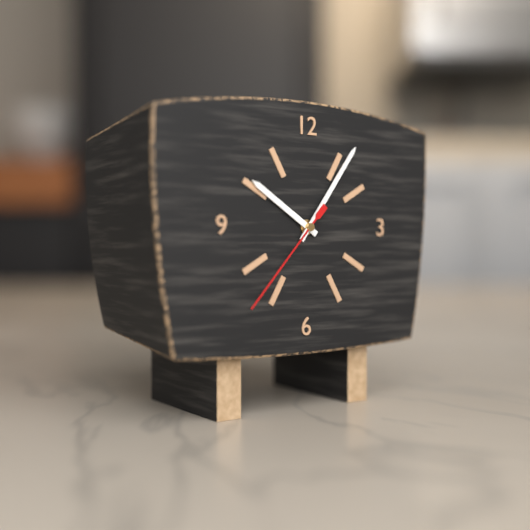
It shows 10,06,37
